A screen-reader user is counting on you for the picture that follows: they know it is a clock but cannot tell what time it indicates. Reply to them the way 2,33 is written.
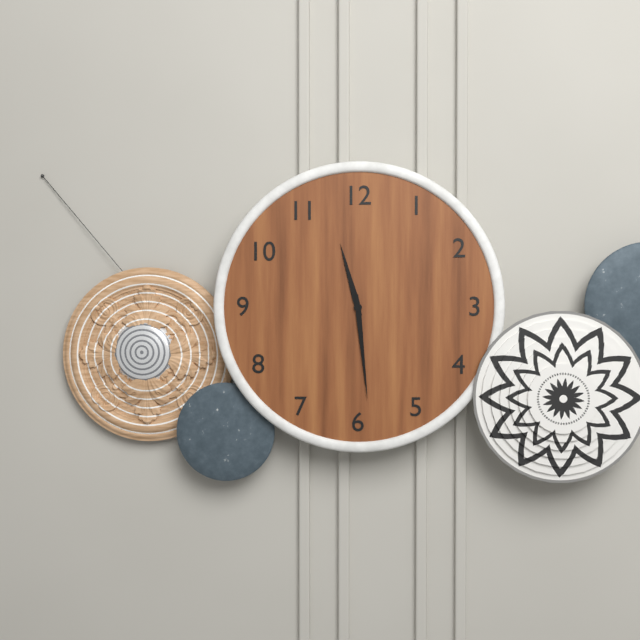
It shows 11,29
